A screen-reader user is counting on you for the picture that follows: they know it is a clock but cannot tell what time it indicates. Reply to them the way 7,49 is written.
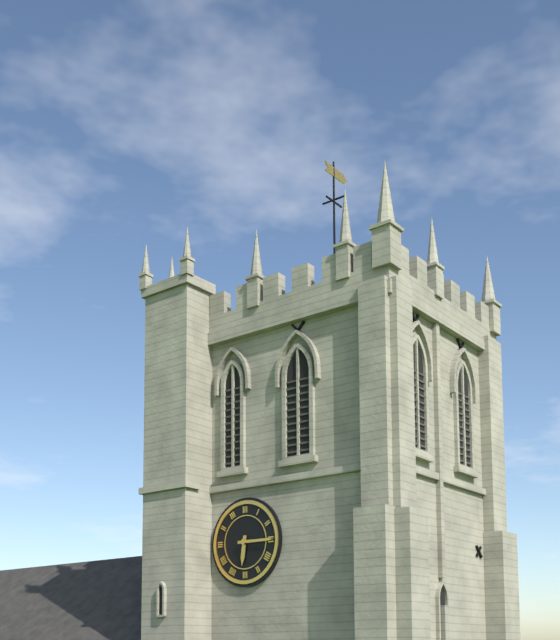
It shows 6,15
